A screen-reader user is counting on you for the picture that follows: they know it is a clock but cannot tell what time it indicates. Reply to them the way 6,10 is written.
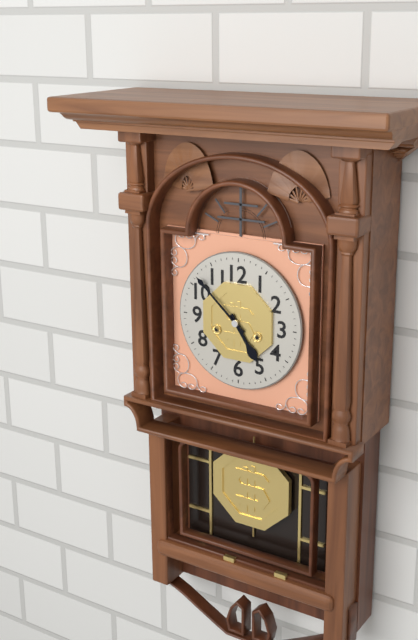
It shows 4,52
